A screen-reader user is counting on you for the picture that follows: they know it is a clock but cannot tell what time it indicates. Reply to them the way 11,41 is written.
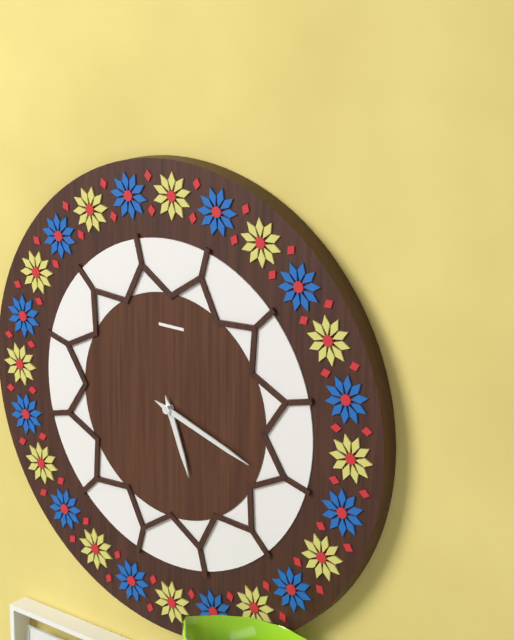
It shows 5,18
